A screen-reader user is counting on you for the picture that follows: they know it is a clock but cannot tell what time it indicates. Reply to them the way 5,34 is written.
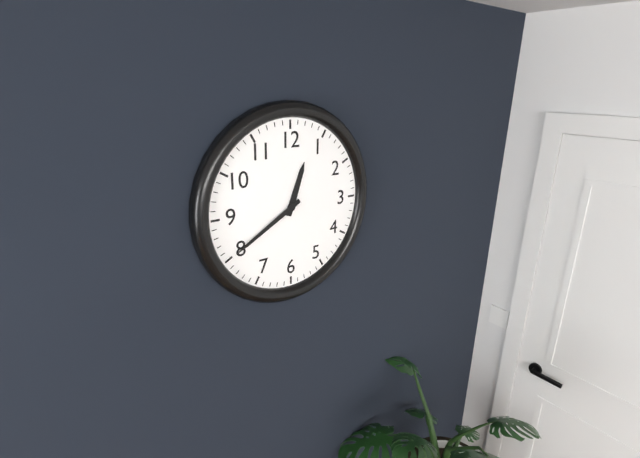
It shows 12,40
